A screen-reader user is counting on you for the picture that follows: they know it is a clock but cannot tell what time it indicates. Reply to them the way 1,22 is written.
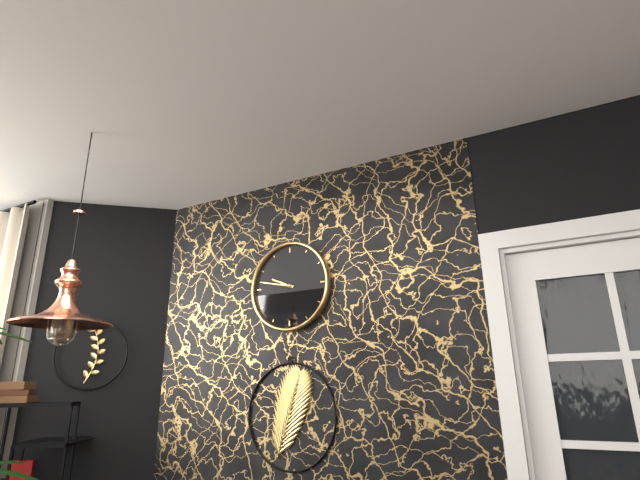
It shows 9,47
